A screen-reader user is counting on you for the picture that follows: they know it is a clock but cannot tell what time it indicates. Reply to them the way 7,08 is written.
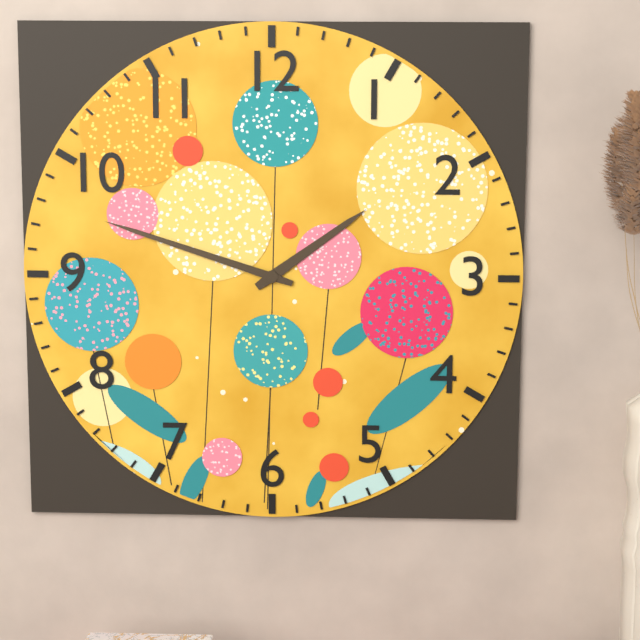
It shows 1,48
